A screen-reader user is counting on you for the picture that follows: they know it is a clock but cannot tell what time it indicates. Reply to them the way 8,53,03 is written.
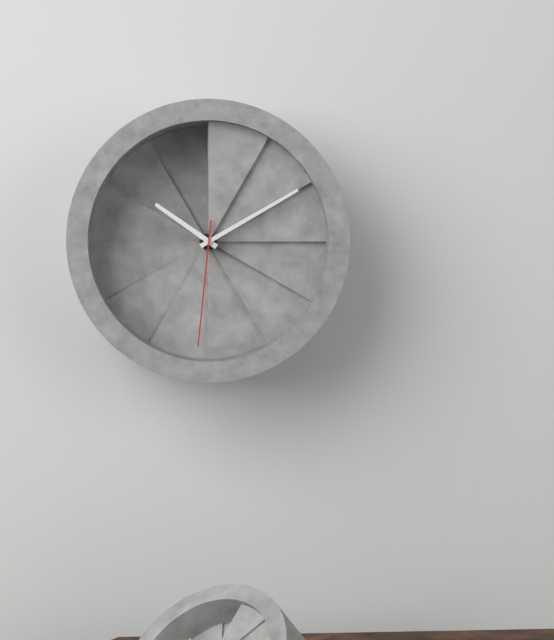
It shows 10,10,31
